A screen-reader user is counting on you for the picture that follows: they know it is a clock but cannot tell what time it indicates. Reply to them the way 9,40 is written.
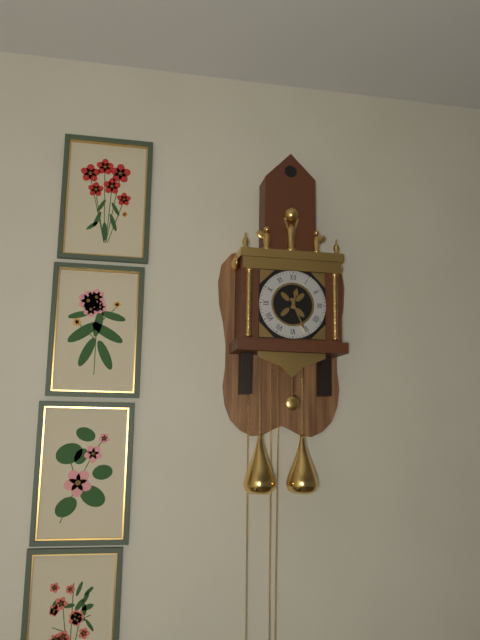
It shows 12,26
